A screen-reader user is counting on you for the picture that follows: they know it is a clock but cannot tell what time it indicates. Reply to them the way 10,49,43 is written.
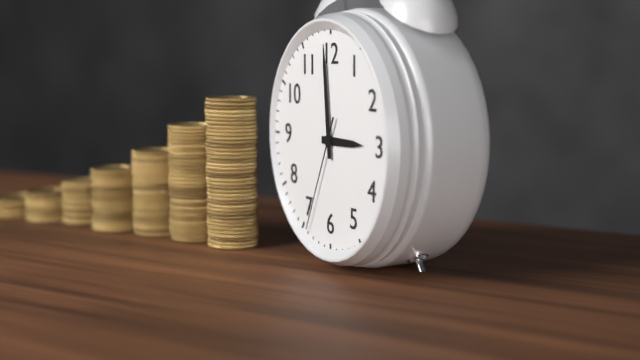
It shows 2,59,34
